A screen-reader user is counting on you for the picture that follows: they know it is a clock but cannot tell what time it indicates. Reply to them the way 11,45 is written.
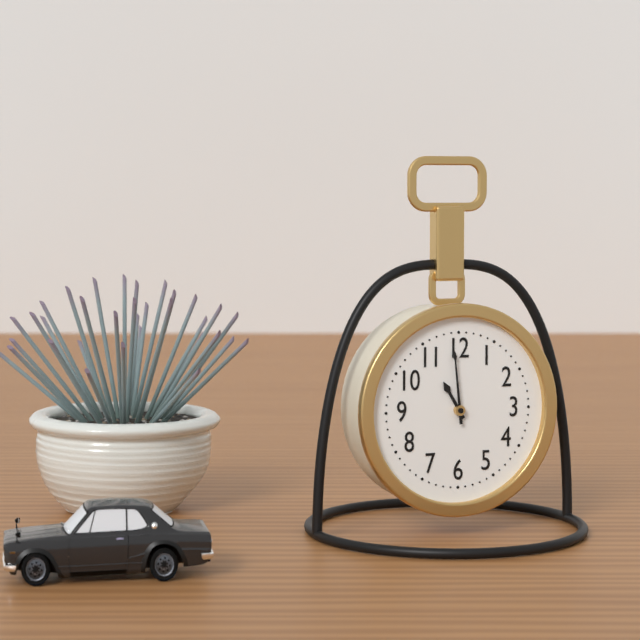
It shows 10,59
